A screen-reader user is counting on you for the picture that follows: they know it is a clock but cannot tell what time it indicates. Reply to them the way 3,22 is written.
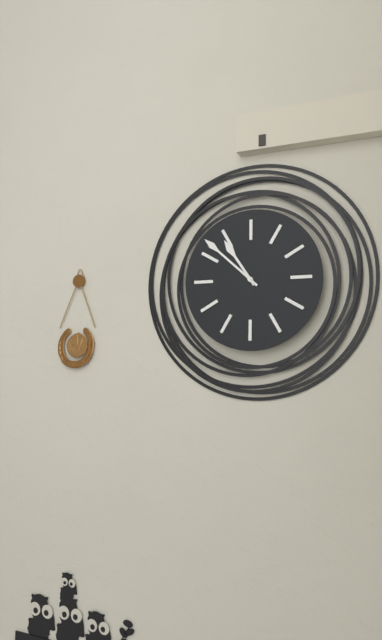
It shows 10,52
